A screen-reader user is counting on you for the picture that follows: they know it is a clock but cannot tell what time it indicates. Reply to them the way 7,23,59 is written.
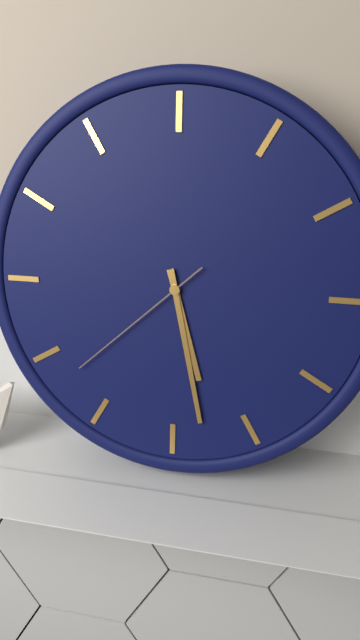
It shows 5,28,38
